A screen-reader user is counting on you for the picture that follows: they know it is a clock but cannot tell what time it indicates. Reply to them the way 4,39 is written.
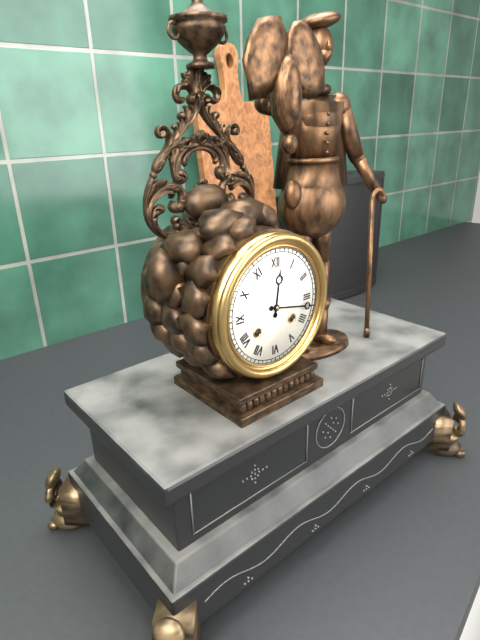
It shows 12,17
